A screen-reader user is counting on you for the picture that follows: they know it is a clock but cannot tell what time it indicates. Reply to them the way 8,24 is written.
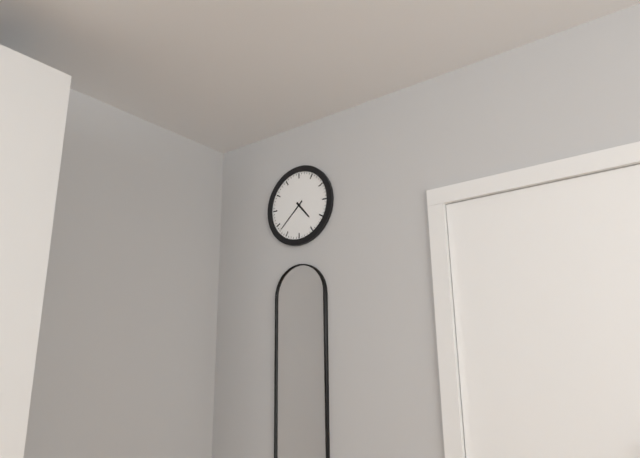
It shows 4,38
